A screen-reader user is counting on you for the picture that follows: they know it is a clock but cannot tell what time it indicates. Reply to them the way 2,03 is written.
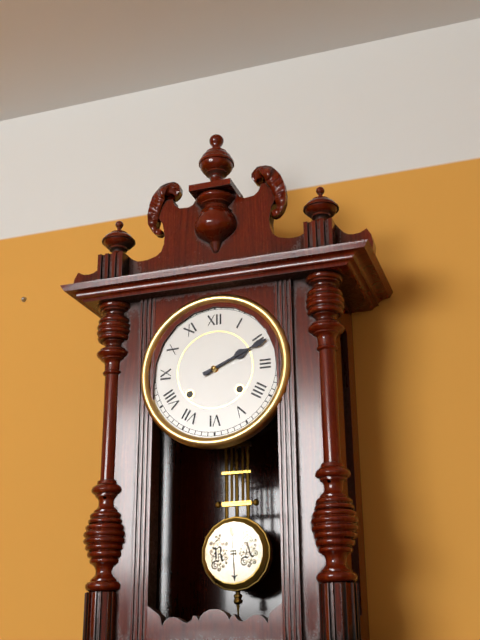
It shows 2,11
